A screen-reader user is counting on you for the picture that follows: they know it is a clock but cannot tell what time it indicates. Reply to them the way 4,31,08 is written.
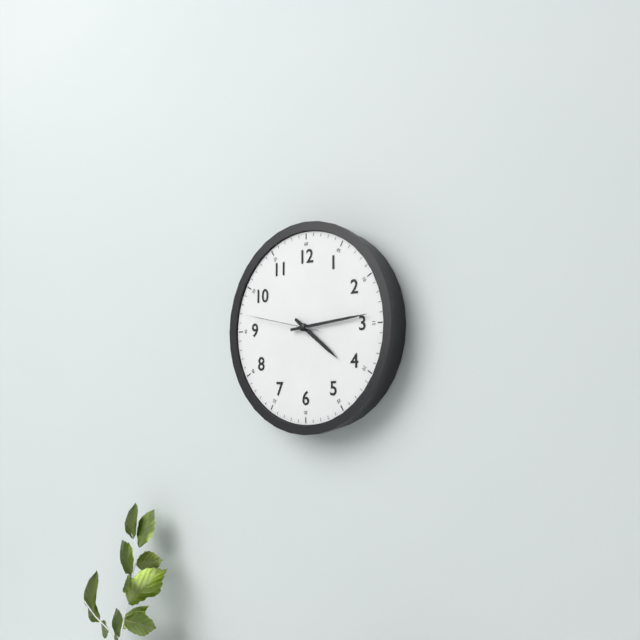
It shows 4,14,47
